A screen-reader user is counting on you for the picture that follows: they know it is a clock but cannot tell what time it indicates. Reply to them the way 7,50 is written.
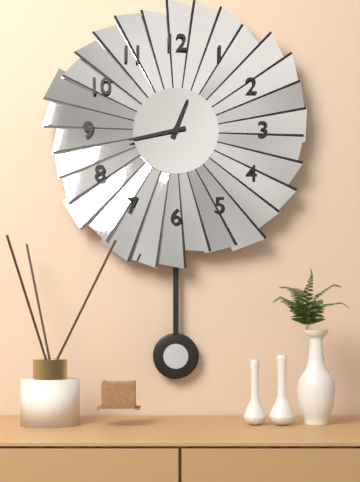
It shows 12,43
